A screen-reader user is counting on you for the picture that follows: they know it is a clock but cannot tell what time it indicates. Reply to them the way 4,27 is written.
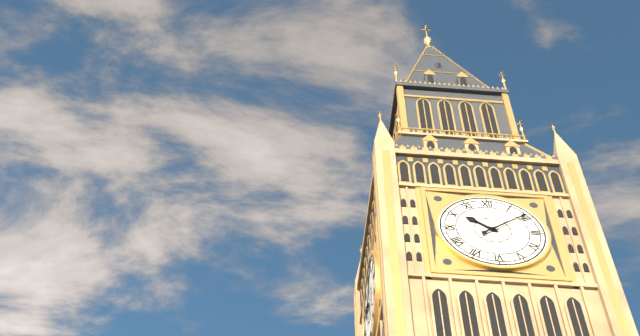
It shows 10,09
